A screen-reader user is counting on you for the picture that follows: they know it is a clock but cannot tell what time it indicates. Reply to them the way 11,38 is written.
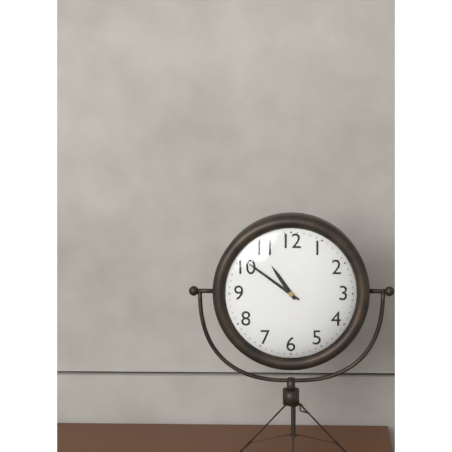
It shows 10,51
